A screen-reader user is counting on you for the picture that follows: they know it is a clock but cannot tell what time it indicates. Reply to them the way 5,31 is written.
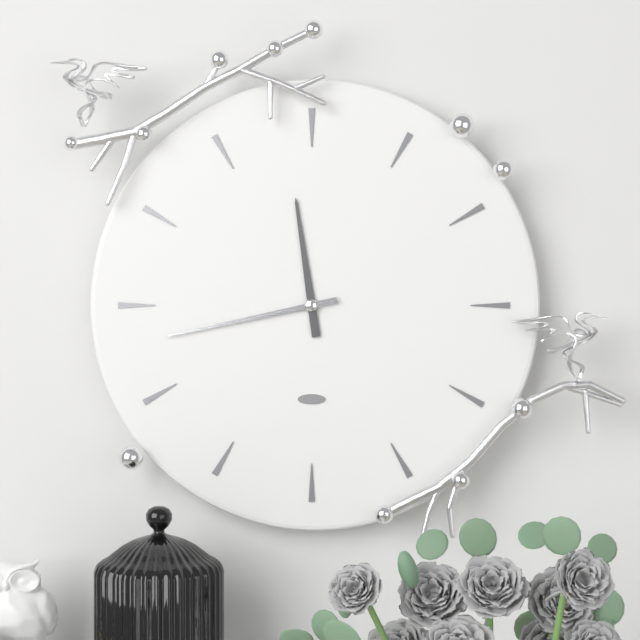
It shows 11,43
